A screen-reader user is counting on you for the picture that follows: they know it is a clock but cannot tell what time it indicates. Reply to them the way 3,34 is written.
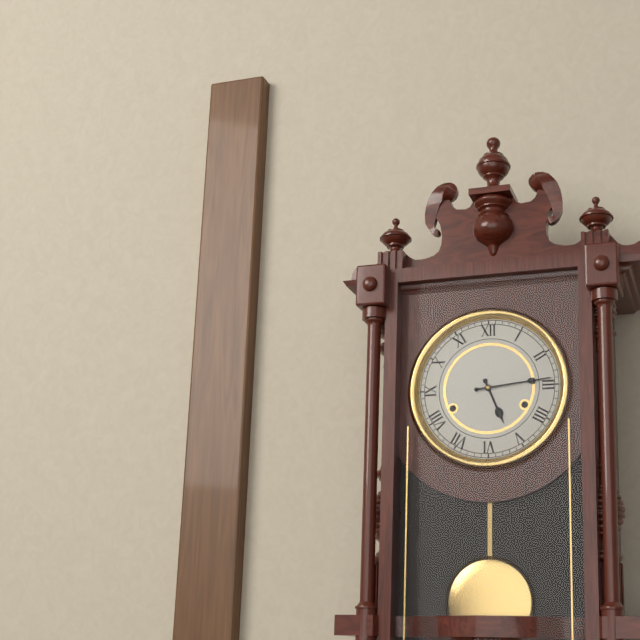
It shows 5,14
